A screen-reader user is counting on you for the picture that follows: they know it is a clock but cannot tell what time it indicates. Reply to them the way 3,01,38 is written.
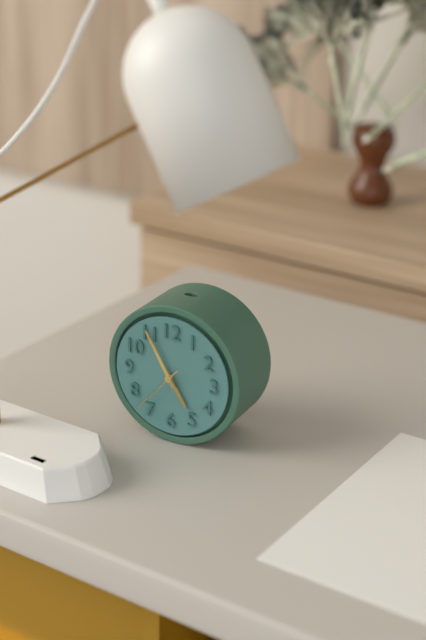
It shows 4,55,37
